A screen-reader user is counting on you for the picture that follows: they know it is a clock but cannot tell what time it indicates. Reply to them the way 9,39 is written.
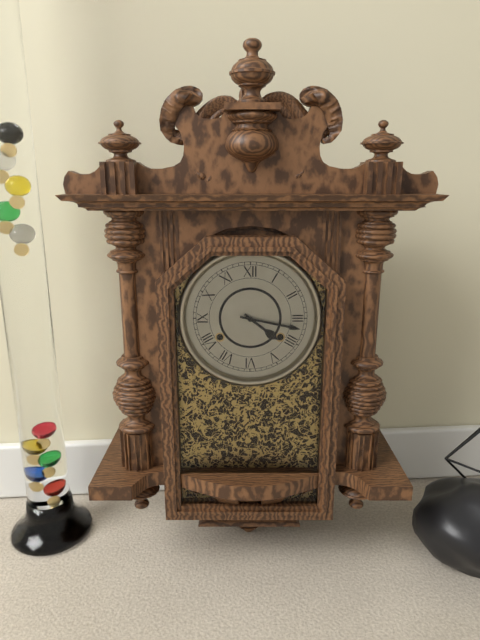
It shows 4,17
